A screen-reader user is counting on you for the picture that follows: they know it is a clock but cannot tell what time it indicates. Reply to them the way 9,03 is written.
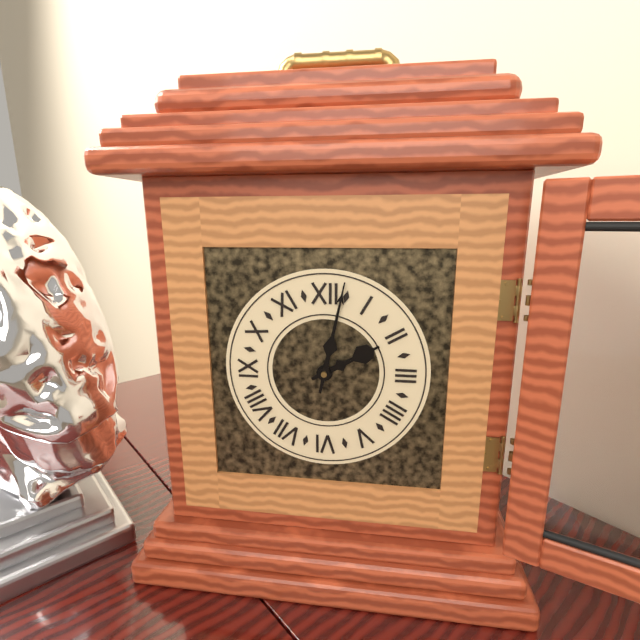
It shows 2,02
